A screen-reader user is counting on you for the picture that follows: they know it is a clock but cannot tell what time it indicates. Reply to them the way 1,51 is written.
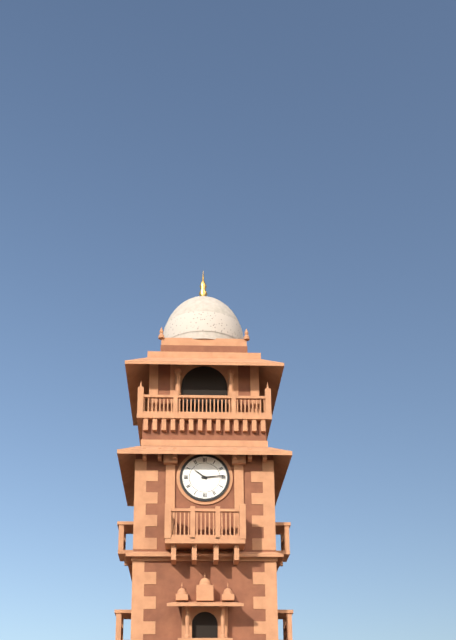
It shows 10,14
